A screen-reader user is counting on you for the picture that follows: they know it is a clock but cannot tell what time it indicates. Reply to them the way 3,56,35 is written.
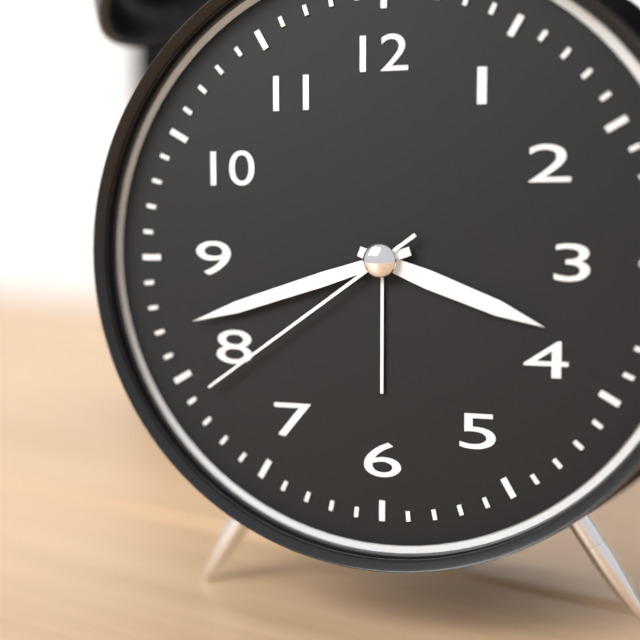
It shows 3,42,39
